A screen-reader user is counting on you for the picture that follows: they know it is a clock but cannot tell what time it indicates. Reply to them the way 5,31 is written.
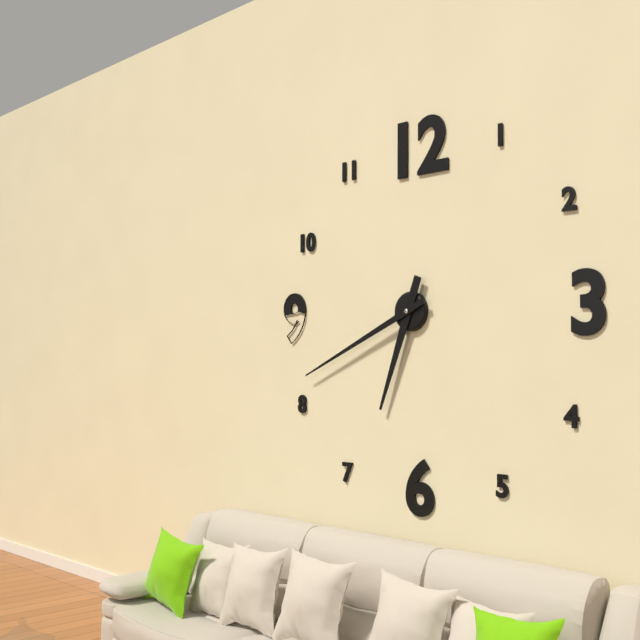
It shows 6,41
